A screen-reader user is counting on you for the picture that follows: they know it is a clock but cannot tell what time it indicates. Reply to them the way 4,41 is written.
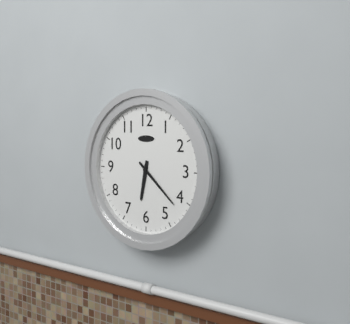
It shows 6,22
